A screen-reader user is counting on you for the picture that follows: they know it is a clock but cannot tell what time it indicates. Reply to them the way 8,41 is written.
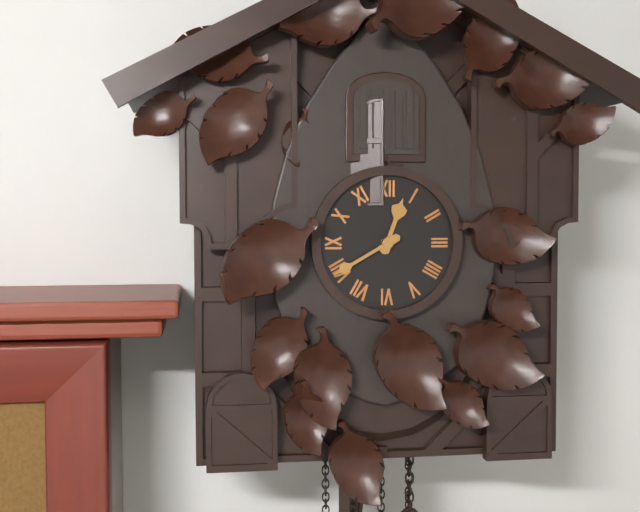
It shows 12,40
